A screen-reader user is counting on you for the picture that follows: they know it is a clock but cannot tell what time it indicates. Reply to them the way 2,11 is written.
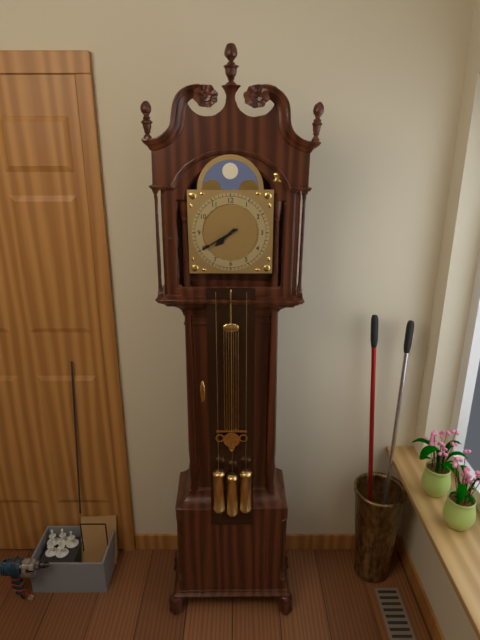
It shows 7,40
